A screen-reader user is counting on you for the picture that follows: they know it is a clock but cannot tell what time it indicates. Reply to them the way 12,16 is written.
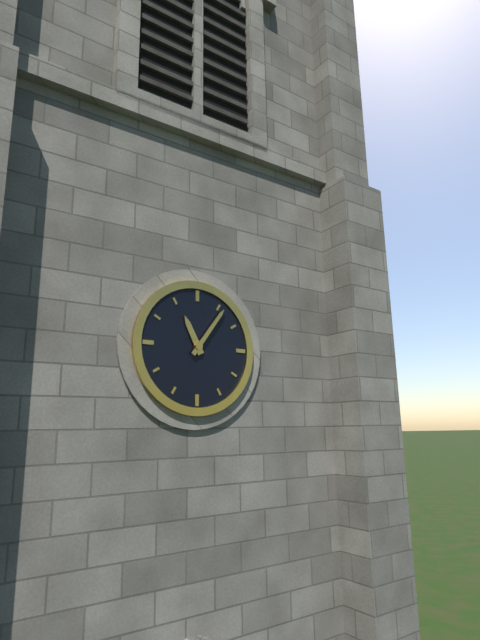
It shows 11,06
